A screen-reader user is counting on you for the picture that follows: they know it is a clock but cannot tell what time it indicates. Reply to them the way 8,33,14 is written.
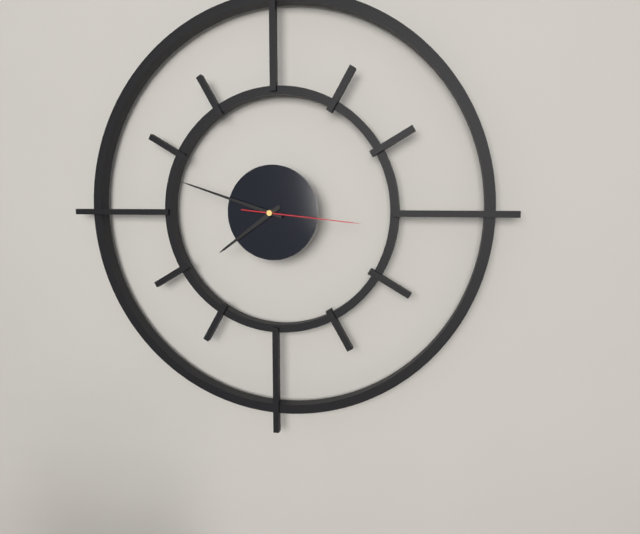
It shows 7,48,16
